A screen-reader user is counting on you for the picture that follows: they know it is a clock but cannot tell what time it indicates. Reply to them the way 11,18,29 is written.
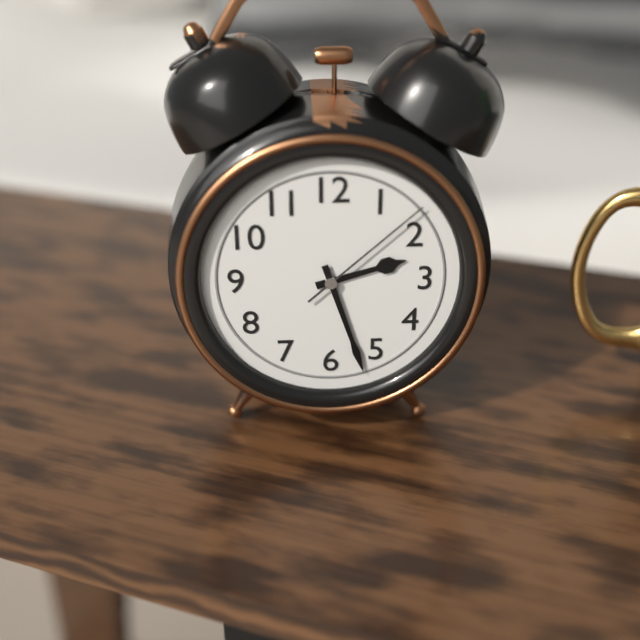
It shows 2,27,08
